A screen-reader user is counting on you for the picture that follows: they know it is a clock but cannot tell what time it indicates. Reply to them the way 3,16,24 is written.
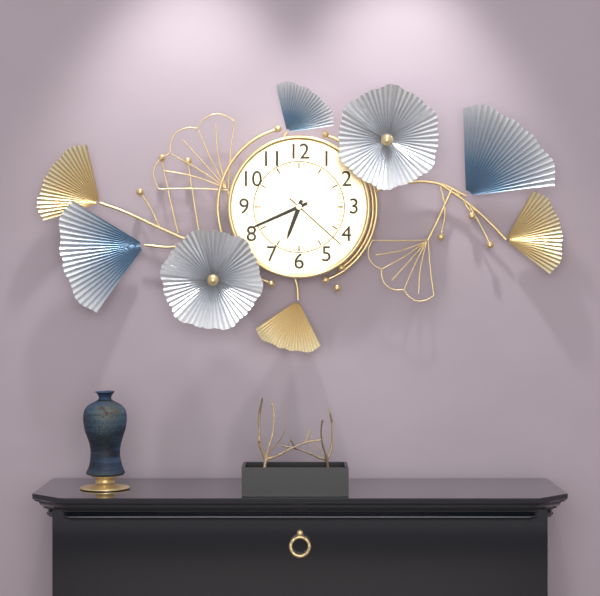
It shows 6,41,22
